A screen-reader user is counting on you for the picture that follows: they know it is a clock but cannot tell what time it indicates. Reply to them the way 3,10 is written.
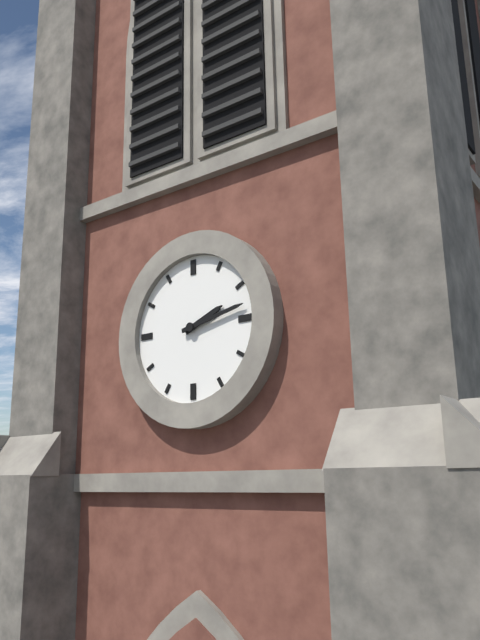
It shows 2,13
